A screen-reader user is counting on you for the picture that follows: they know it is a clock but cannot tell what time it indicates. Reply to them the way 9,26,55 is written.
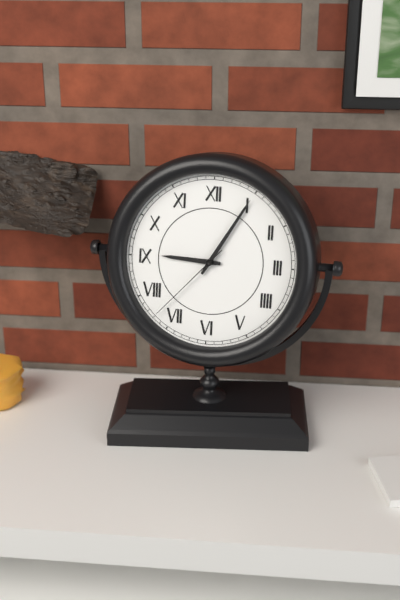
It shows 9,05,37
